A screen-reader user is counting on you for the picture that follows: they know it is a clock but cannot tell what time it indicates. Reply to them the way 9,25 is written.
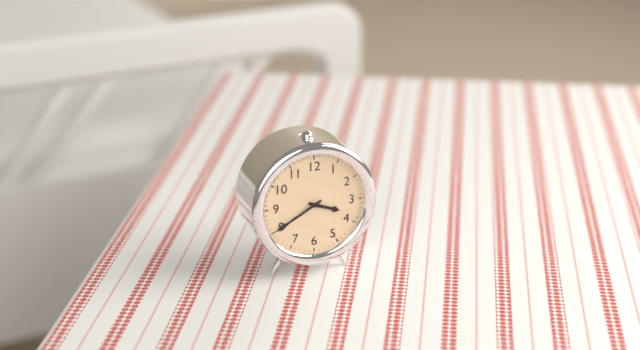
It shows 3,40
